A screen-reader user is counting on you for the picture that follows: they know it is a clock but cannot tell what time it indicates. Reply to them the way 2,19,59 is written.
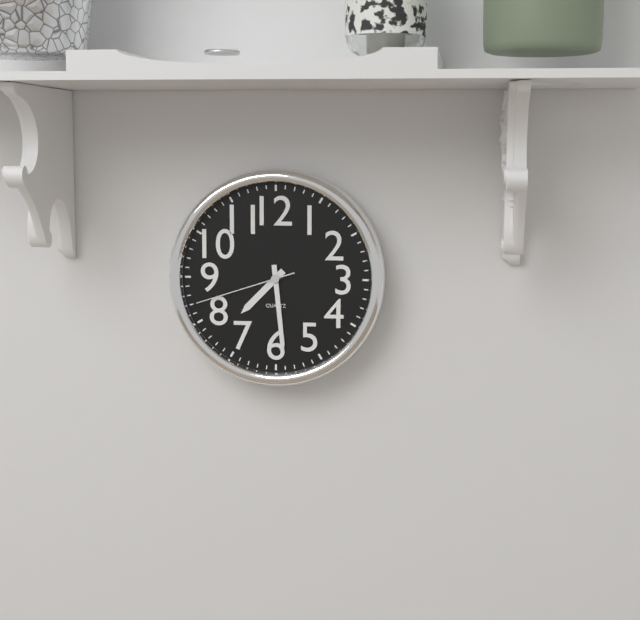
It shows 7,29,42
